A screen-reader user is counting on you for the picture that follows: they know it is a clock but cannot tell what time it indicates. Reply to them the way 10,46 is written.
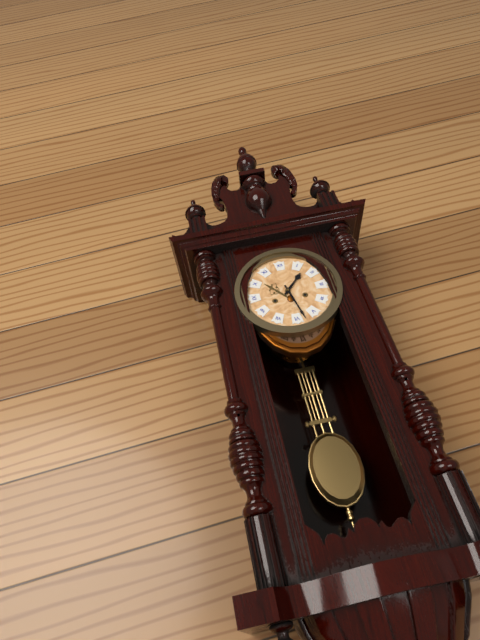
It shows 1,28
